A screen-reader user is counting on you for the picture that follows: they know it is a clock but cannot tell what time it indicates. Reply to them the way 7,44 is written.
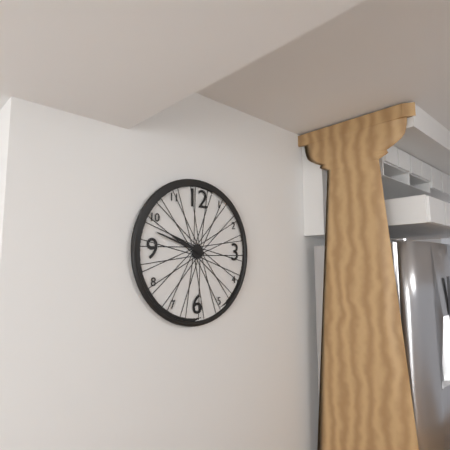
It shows 9,48
